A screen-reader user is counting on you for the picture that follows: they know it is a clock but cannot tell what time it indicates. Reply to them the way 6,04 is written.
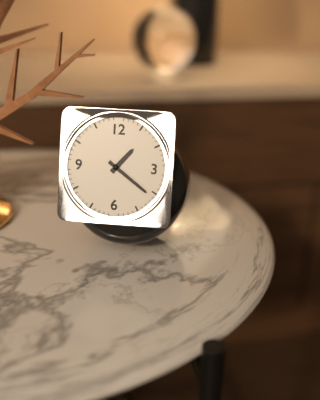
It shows 1,21
